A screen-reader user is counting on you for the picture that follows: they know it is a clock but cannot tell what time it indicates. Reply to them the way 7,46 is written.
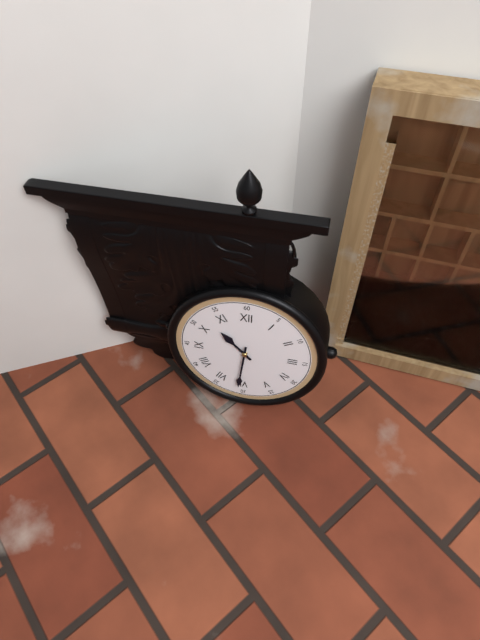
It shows 10,31
